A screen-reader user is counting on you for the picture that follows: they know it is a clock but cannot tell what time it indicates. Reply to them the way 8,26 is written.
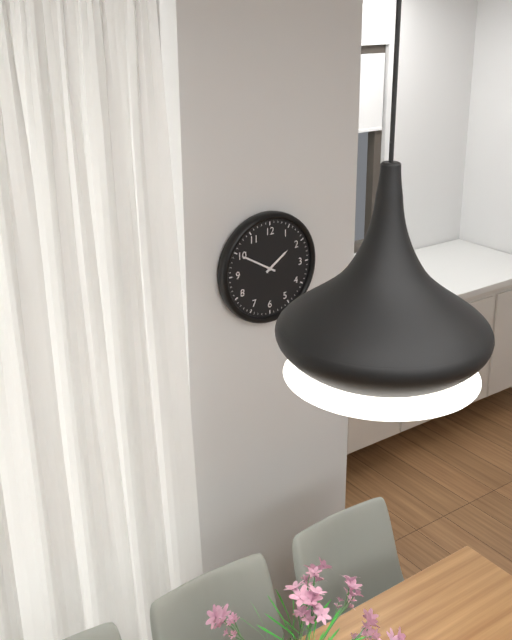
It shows 1,50
